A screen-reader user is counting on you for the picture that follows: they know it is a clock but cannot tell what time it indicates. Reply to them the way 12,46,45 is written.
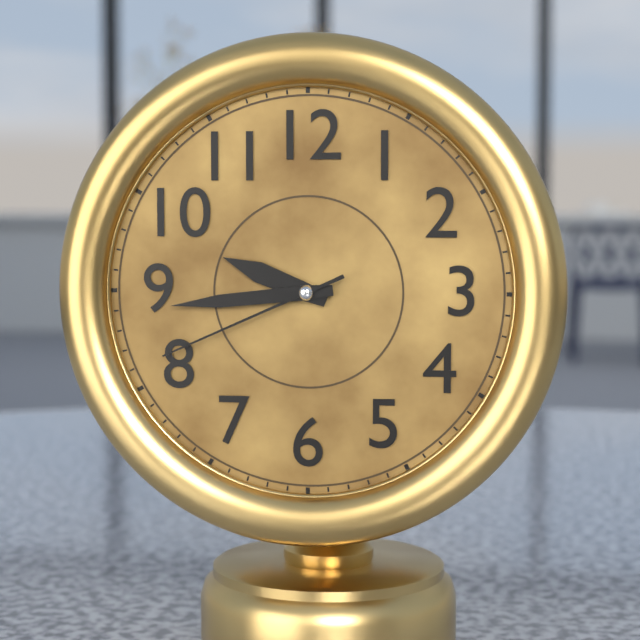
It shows 9,44,41
